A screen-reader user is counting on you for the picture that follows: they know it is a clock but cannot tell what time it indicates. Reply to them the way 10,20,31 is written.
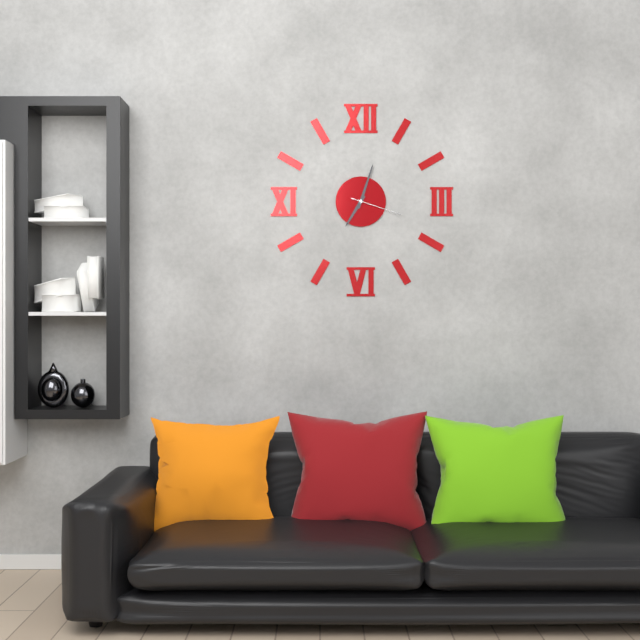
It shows 7,03,18
